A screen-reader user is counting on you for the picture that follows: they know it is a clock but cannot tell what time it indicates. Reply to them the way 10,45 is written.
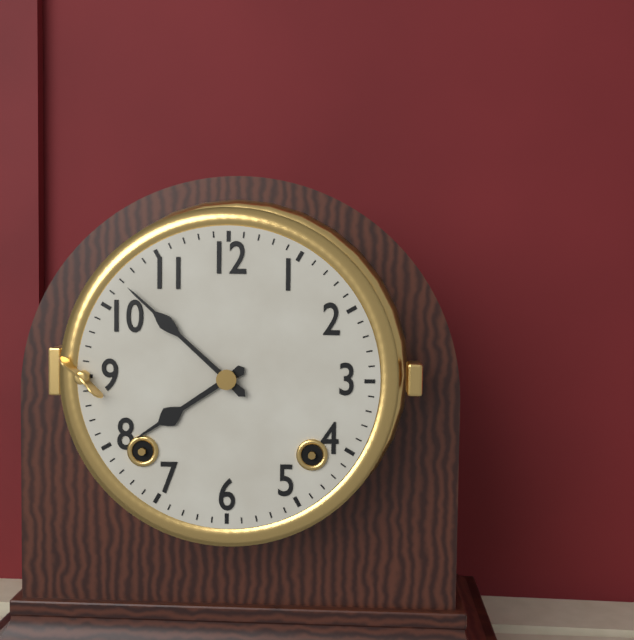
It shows 7,52
